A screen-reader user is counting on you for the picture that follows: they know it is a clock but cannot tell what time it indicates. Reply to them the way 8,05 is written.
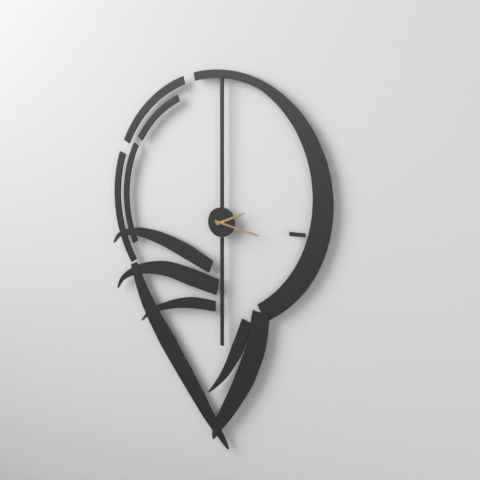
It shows 2,17
